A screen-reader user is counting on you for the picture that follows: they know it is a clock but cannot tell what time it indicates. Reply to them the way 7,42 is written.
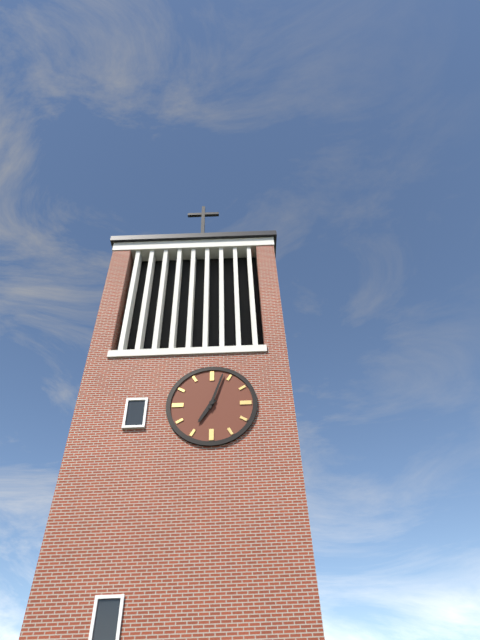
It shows 7,03
